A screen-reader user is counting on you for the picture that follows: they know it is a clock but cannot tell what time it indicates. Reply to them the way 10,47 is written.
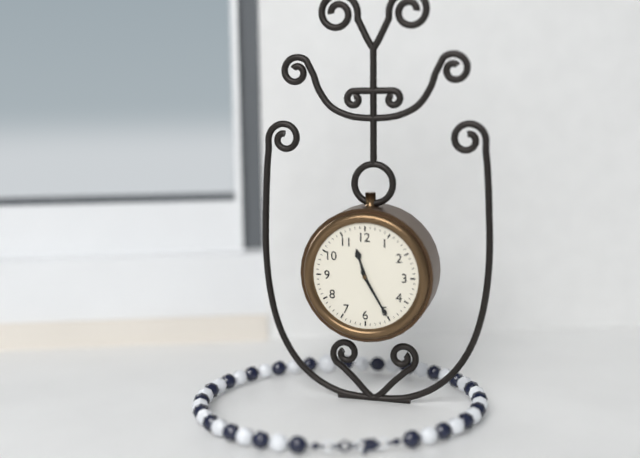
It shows 11,25
